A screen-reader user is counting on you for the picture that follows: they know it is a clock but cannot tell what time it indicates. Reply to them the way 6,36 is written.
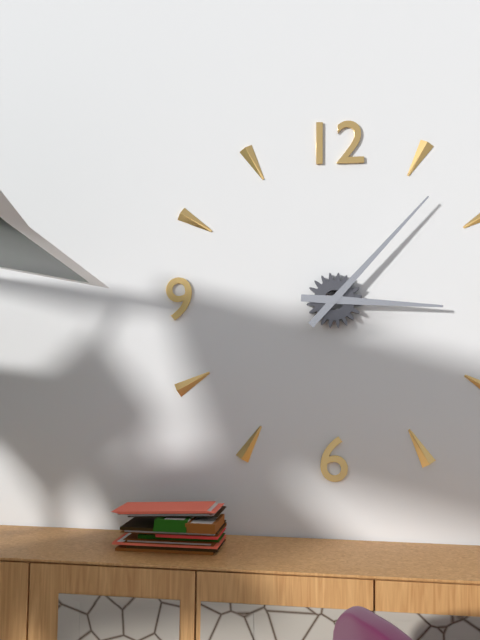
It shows 3,07
